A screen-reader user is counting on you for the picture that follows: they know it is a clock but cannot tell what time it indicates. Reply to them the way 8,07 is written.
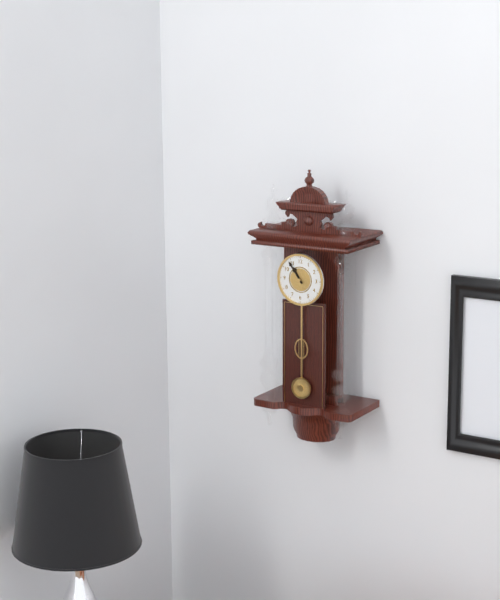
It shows 10,54
